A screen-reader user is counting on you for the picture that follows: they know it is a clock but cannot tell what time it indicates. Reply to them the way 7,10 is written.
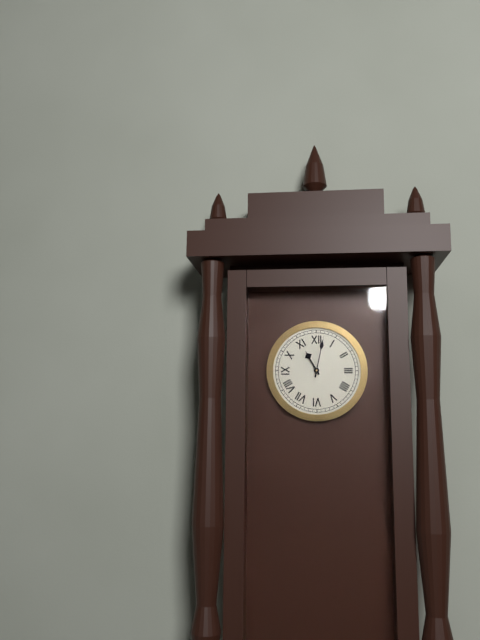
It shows 11,02
